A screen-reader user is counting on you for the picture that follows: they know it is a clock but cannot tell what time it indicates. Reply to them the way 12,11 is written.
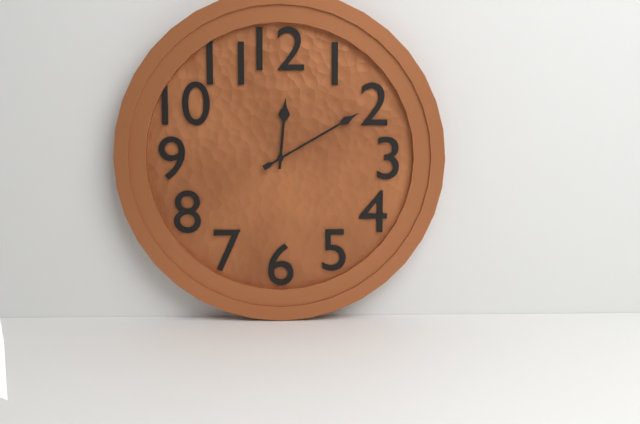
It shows 12,10
